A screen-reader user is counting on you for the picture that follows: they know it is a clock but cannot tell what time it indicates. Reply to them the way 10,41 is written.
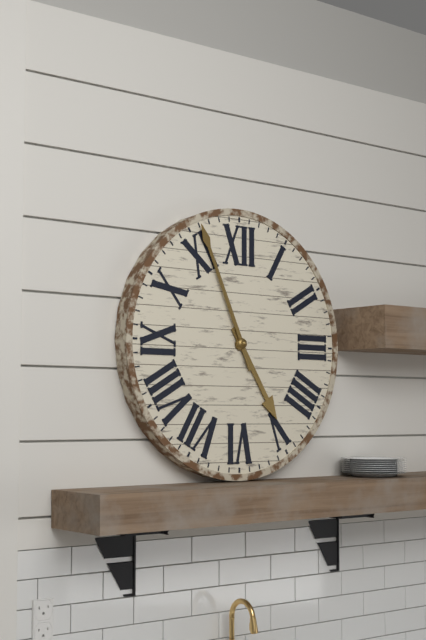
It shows 4,56
